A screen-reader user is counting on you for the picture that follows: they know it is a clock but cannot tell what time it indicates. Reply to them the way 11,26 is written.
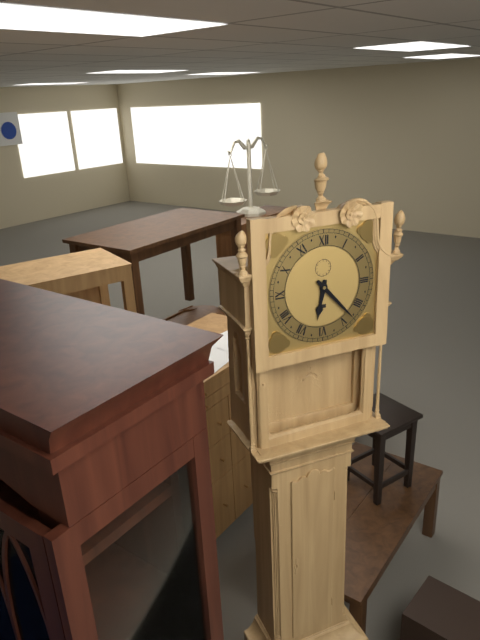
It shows 6,23
